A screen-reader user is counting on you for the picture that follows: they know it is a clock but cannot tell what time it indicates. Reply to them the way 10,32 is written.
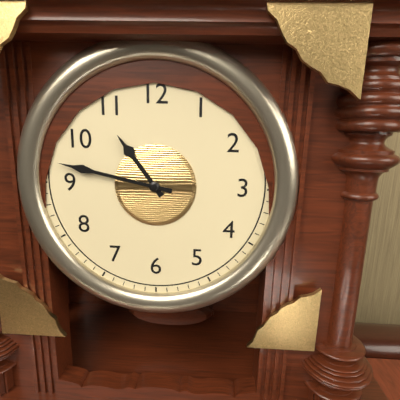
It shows 10,47
